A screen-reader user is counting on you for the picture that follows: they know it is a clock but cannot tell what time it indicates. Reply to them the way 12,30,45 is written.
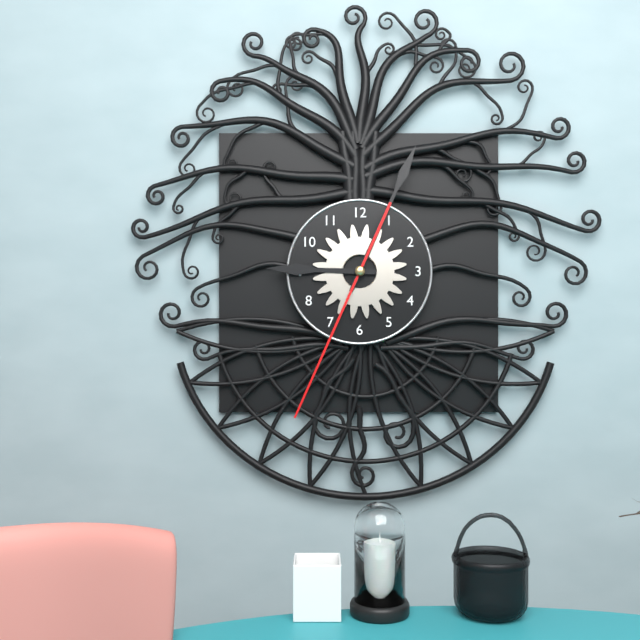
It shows 9,04,34
